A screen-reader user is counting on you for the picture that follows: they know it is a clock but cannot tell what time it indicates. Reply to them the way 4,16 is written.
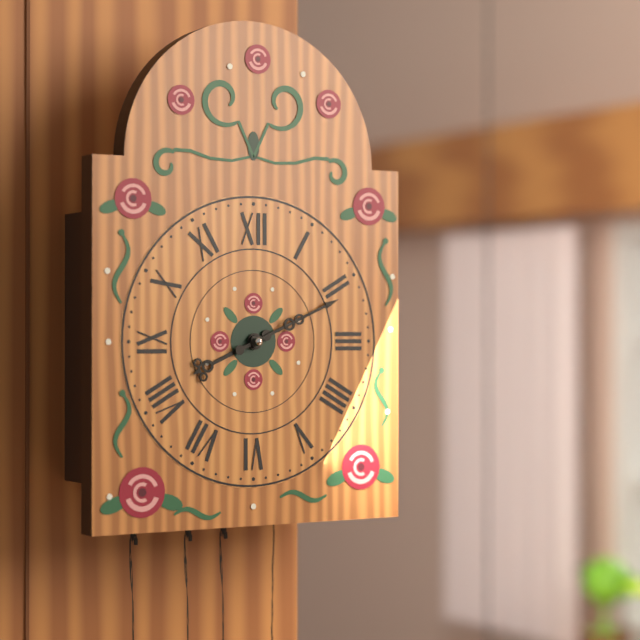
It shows 8,11
